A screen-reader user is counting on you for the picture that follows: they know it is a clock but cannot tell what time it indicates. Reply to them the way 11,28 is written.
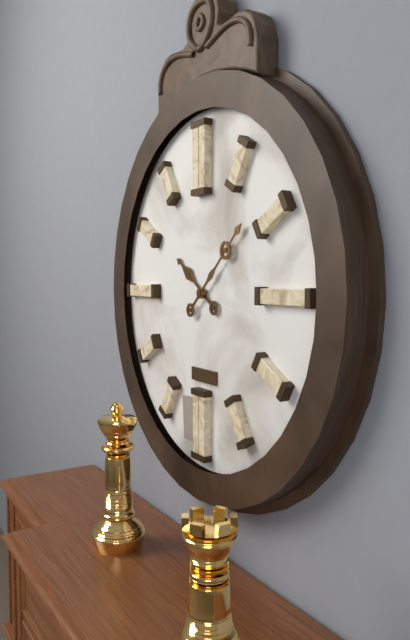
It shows 10,08
